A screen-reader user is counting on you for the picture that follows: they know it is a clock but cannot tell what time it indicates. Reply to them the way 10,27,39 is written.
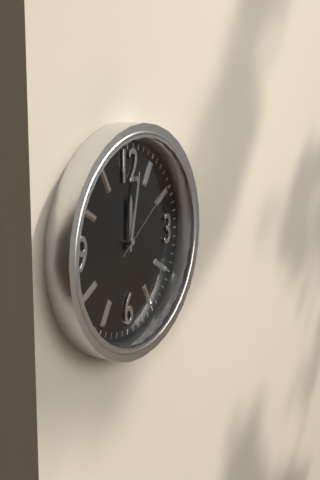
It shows 12,02,09
